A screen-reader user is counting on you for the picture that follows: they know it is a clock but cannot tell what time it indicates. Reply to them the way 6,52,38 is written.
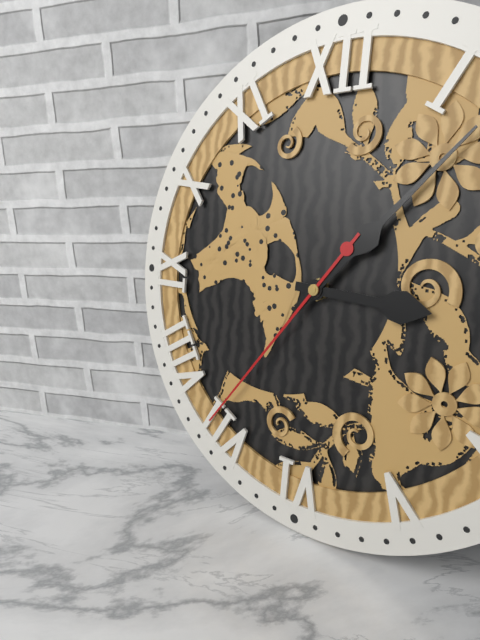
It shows 3,07,36
